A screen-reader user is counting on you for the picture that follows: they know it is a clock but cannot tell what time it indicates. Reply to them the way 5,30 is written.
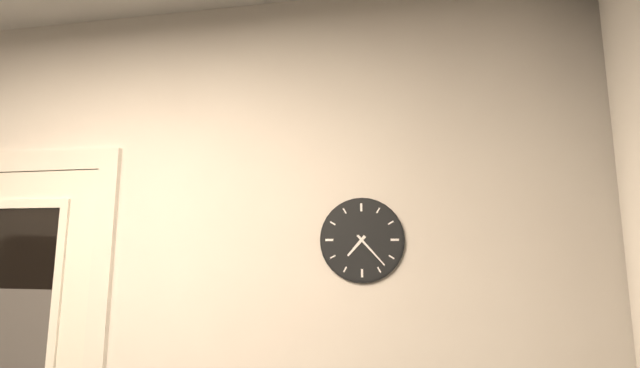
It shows 7,23
